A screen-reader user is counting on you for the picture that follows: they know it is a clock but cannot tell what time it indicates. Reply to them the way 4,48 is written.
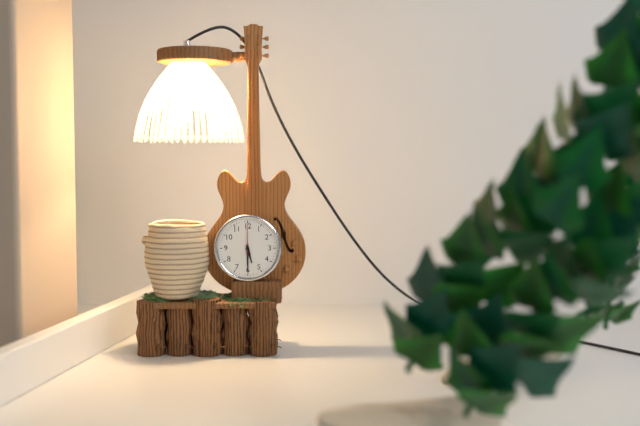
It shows 5,30
